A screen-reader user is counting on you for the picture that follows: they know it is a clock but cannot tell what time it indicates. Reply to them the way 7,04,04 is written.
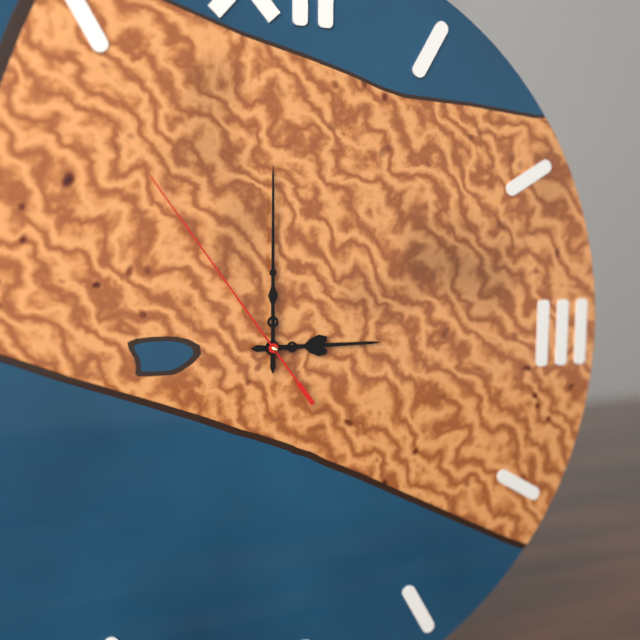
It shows 3,00,54
